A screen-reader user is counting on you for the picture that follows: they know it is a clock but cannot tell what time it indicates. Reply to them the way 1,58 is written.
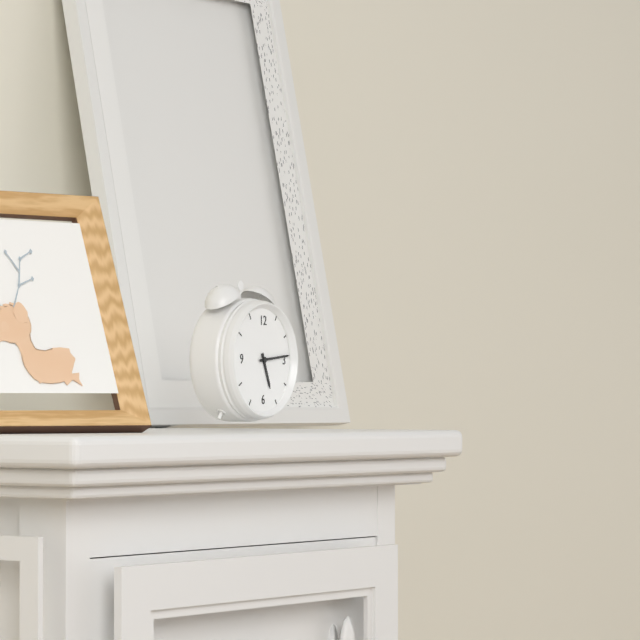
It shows 5,14
